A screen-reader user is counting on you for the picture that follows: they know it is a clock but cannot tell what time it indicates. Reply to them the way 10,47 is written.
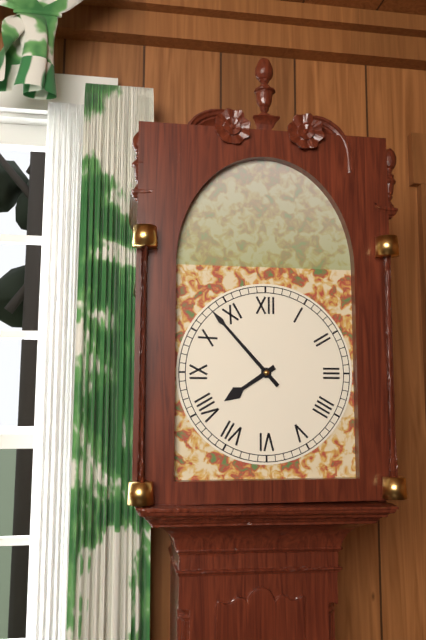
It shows 7,53
